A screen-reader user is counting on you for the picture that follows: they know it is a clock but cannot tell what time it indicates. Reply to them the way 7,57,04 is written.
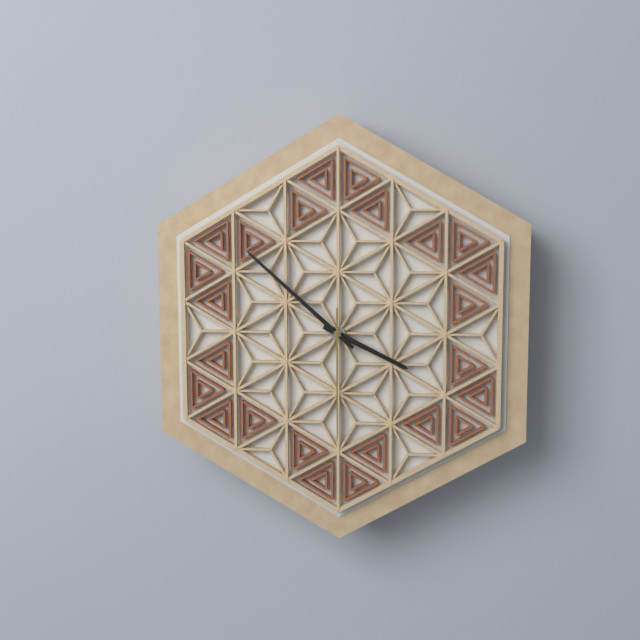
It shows 3,52,30
